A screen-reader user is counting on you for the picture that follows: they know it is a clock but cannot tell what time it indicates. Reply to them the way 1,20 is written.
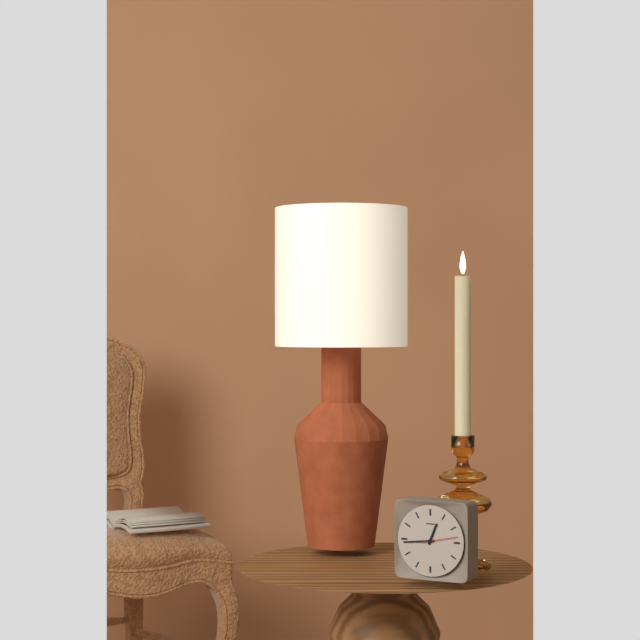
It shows 12,44
